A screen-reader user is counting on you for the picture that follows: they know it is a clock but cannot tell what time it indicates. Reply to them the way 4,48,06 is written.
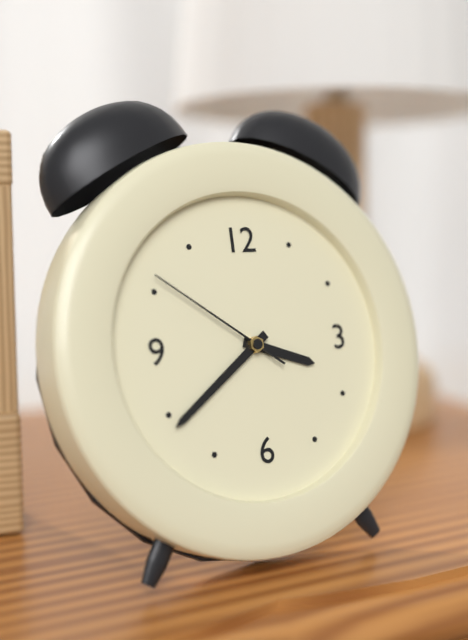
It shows 3,39,51
